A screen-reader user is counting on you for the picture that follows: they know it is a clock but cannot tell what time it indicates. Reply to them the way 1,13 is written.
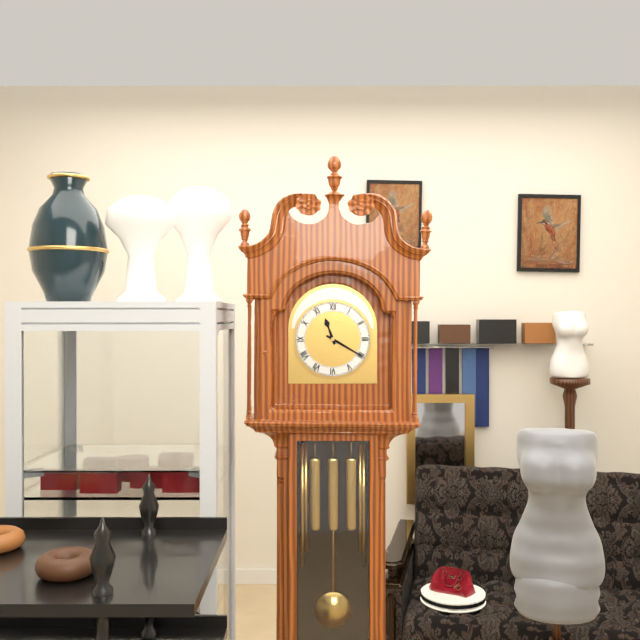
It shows 11,20
